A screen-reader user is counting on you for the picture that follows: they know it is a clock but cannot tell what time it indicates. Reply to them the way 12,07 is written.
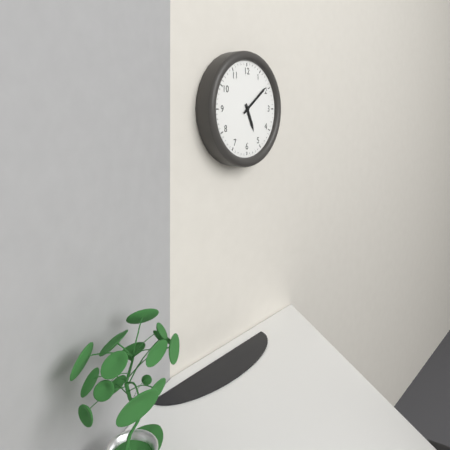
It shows 5,09
